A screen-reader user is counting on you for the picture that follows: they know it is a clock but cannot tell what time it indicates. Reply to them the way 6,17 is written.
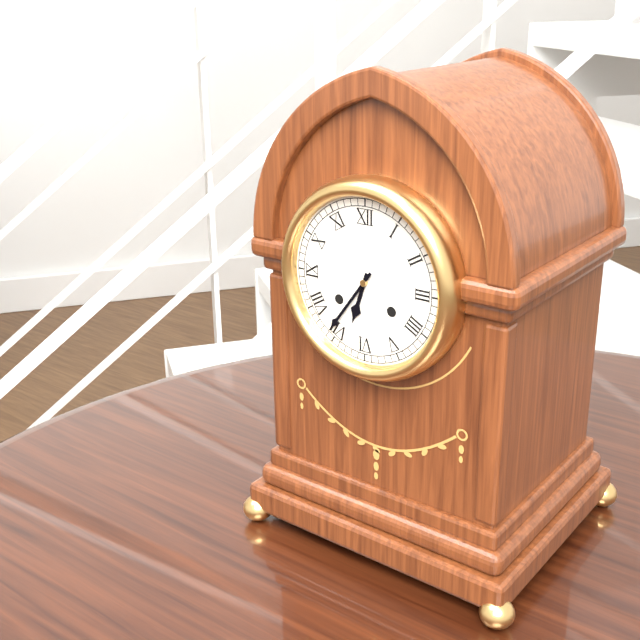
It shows 6,36
